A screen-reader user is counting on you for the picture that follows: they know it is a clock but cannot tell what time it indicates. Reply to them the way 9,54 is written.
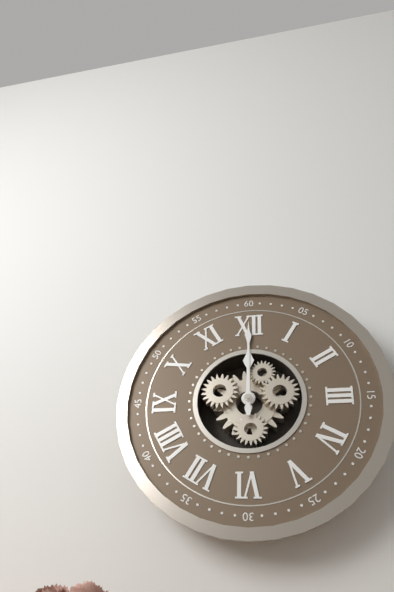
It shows 12,00
